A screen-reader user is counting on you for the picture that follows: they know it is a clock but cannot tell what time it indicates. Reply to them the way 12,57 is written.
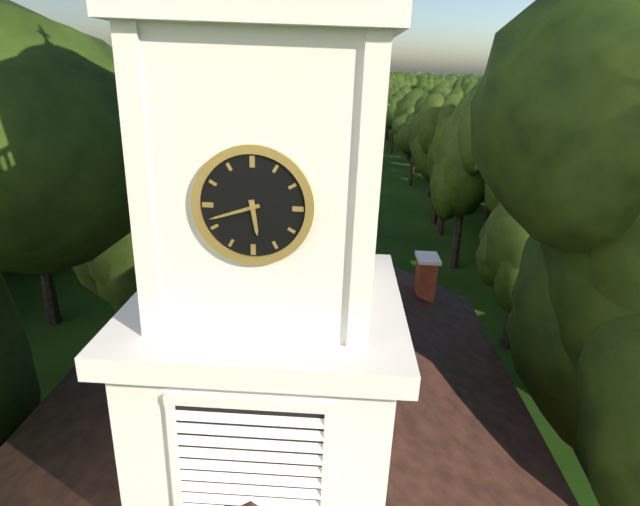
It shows 5,42
